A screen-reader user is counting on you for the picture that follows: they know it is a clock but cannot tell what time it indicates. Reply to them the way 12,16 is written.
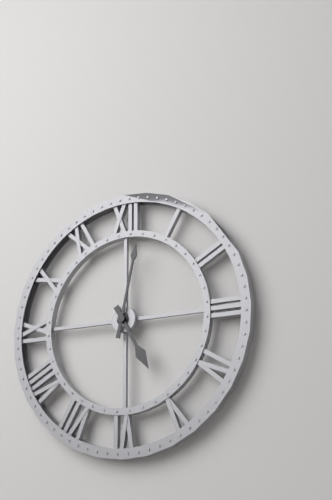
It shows 5,02
